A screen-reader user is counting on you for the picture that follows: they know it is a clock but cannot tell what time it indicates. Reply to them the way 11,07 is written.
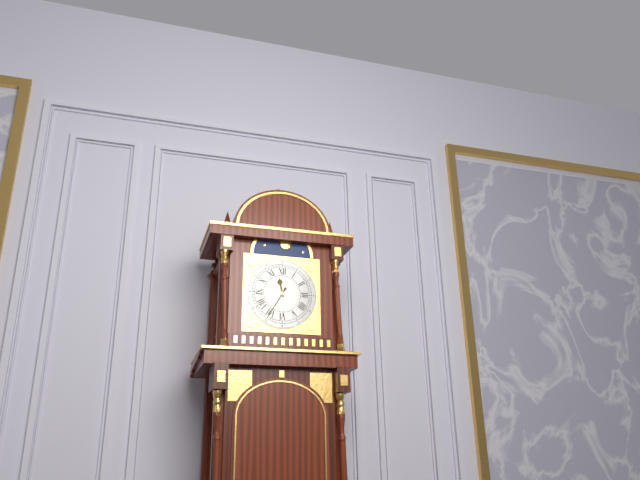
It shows 11,35
